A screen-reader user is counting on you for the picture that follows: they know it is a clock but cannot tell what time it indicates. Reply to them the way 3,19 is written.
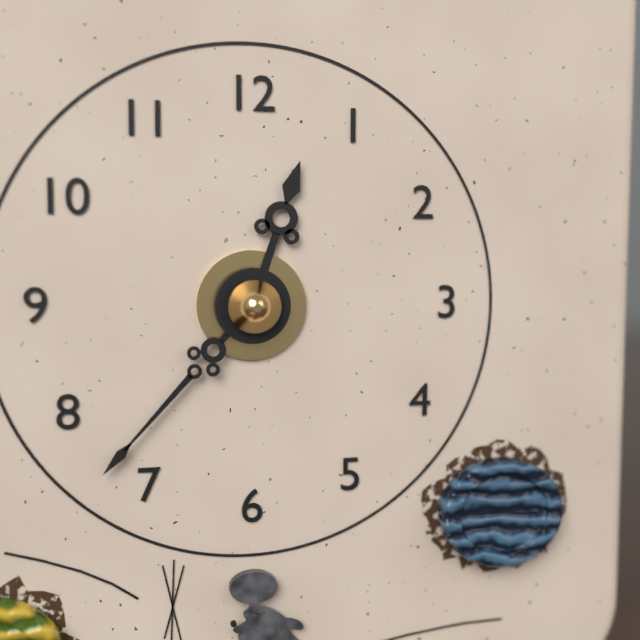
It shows 12,37
